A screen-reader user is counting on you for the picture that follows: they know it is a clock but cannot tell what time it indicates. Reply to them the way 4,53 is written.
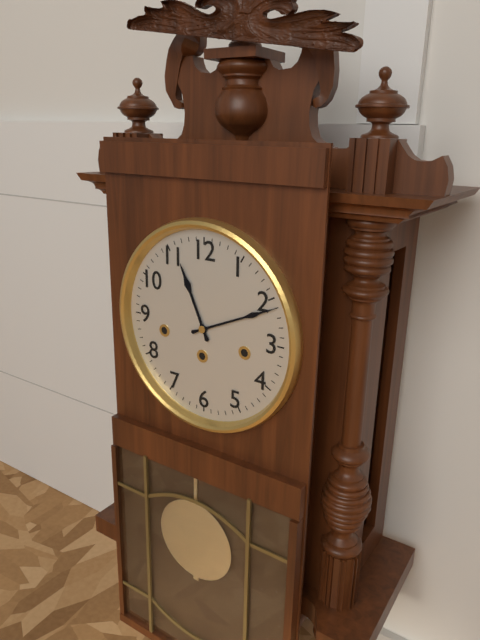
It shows 11,11
